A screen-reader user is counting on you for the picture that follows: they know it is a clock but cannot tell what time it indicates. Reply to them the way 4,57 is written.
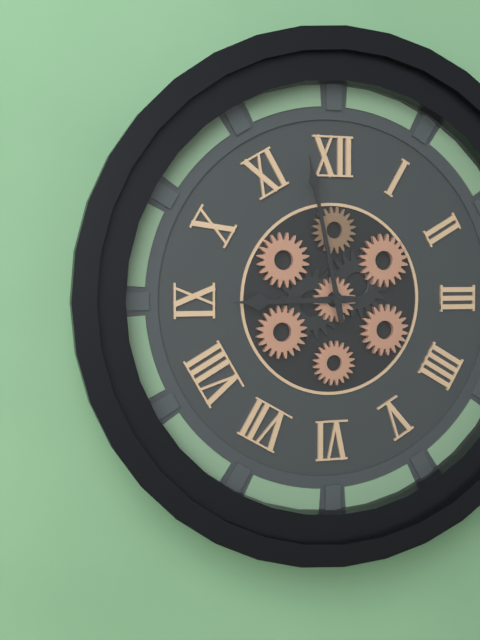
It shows 8,58
